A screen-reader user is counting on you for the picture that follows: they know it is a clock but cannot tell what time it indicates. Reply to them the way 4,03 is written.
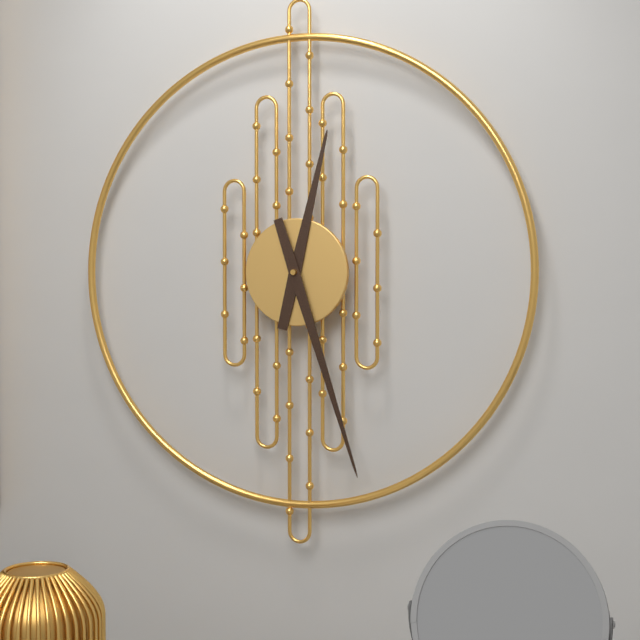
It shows 12,27
